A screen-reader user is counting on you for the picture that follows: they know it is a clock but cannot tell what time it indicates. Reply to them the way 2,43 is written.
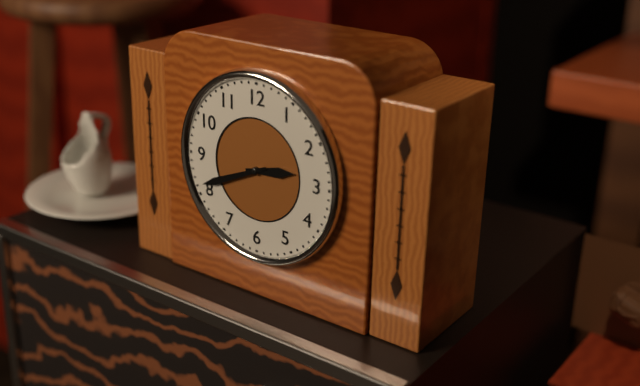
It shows 2,41
